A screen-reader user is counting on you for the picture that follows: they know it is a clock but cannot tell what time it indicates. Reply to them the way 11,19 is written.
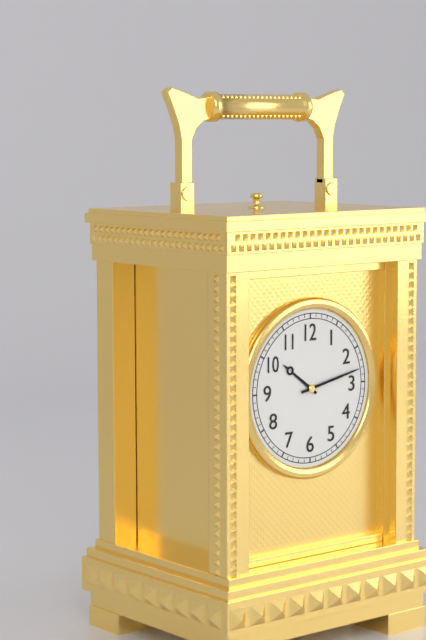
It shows 10,13
